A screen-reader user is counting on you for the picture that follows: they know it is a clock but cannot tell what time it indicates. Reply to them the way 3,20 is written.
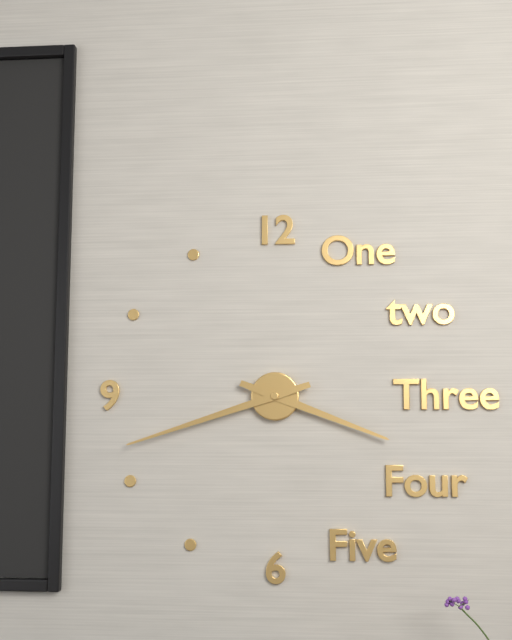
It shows 3,42
